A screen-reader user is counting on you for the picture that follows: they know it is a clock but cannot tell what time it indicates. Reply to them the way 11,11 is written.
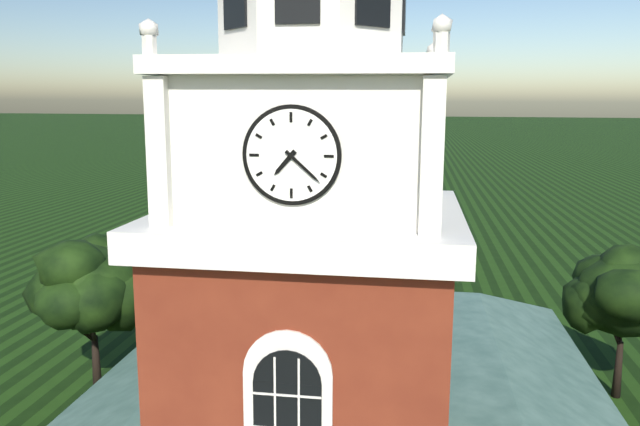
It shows 7,22
